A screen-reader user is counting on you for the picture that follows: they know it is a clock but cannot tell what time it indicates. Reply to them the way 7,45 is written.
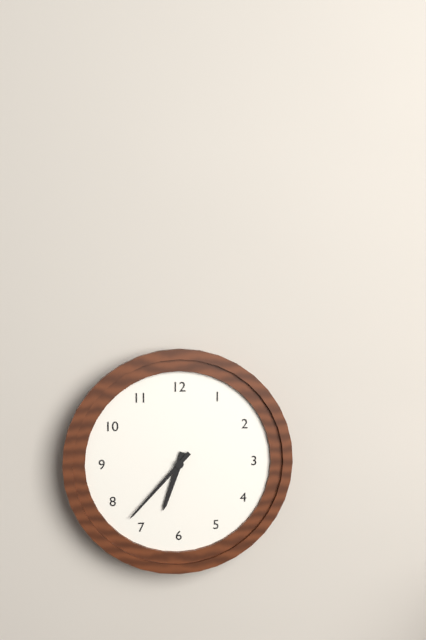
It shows 6,37
